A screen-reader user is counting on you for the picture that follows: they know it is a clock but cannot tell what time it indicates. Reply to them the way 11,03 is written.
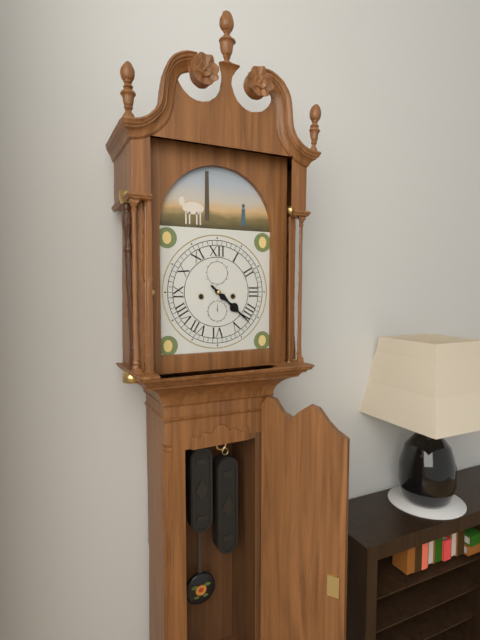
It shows 4,22
